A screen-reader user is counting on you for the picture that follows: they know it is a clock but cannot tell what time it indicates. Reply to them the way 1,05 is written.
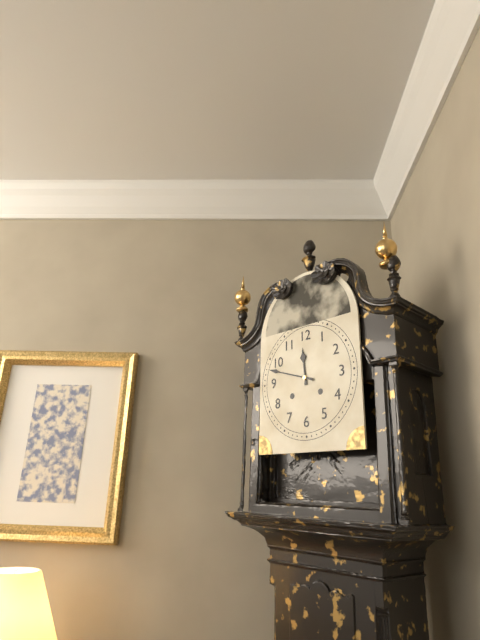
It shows 11,48
